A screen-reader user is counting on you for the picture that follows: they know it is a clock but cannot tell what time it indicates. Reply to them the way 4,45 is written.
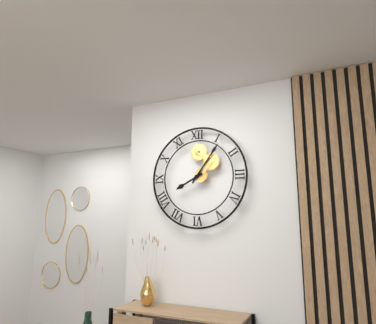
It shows 8,06
